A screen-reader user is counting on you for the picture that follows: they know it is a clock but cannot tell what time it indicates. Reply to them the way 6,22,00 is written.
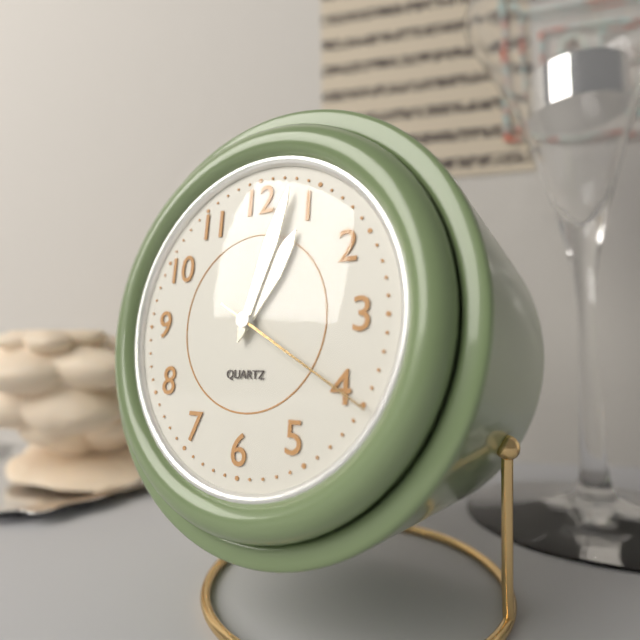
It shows 1,03,20
